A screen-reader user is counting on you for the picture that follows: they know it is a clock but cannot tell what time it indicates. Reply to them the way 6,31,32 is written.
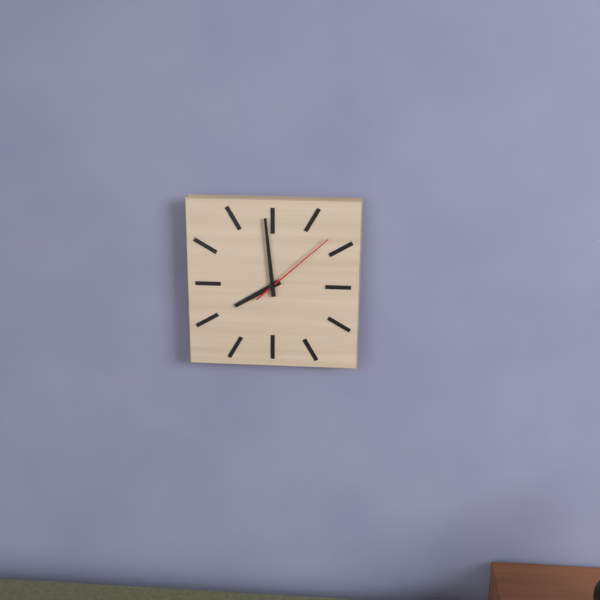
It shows 7,59,08
